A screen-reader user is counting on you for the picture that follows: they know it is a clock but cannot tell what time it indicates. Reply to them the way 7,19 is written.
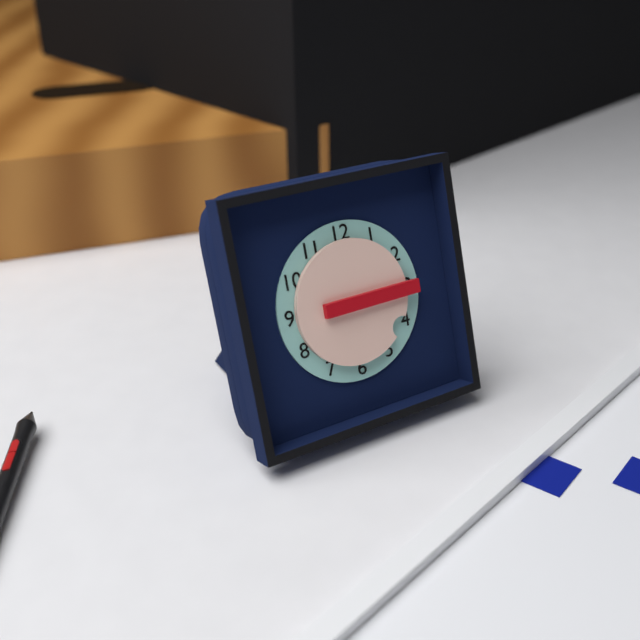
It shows 4,15
